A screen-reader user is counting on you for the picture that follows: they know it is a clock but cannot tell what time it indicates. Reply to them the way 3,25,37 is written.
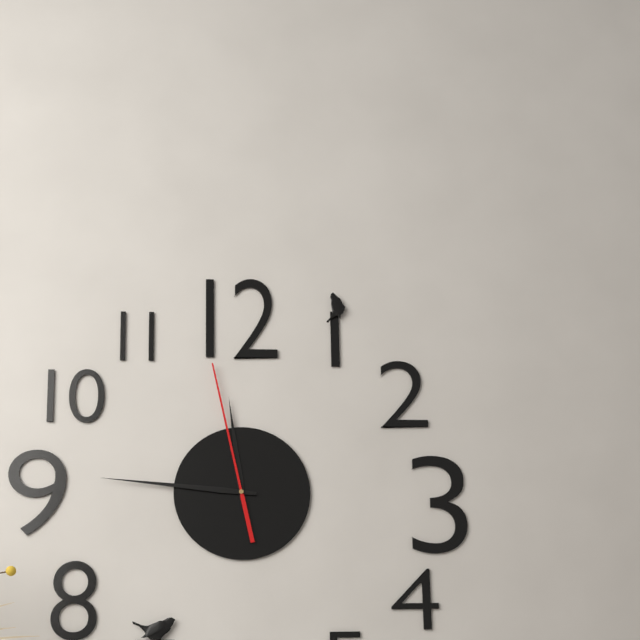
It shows 11,46,58
